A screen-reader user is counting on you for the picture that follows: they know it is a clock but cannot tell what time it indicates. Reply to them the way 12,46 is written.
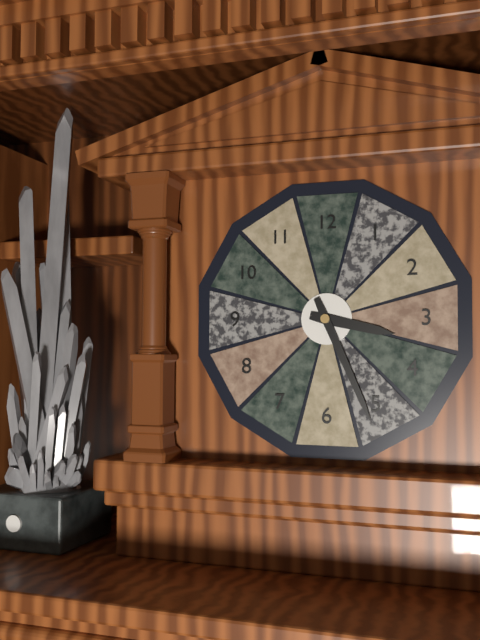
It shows 3,26
